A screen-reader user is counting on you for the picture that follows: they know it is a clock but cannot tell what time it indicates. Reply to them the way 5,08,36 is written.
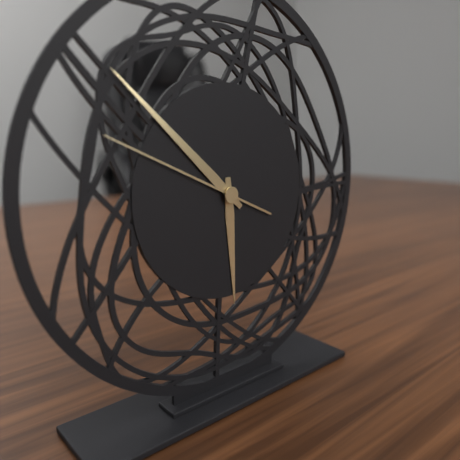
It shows 5,52,49
